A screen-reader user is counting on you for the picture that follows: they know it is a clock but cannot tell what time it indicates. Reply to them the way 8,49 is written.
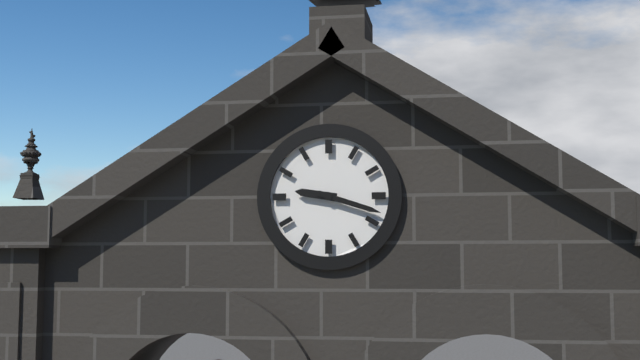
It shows 9,18
